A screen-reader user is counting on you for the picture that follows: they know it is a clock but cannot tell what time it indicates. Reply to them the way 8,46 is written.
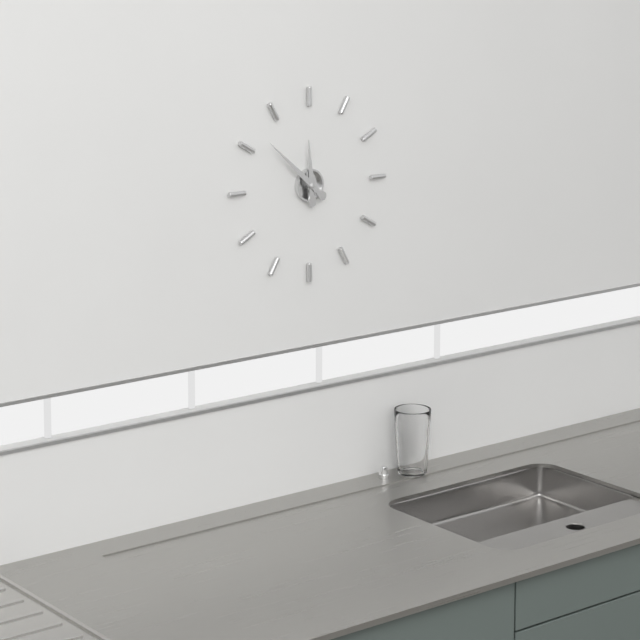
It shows 11,52
